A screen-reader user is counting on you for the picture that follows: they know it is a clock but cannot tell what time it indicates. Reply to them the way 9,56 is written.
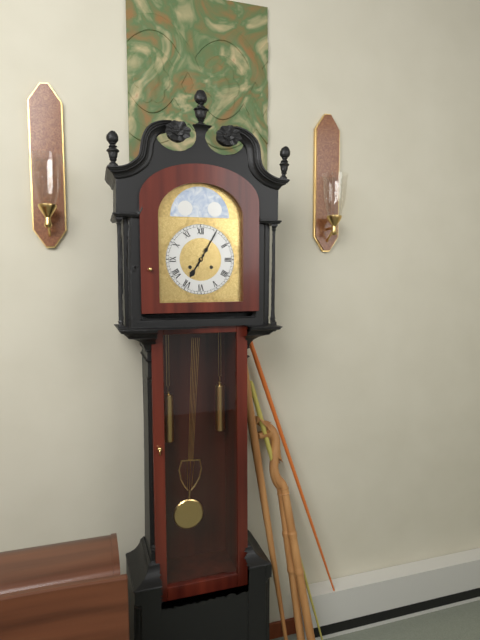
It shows 7,05
